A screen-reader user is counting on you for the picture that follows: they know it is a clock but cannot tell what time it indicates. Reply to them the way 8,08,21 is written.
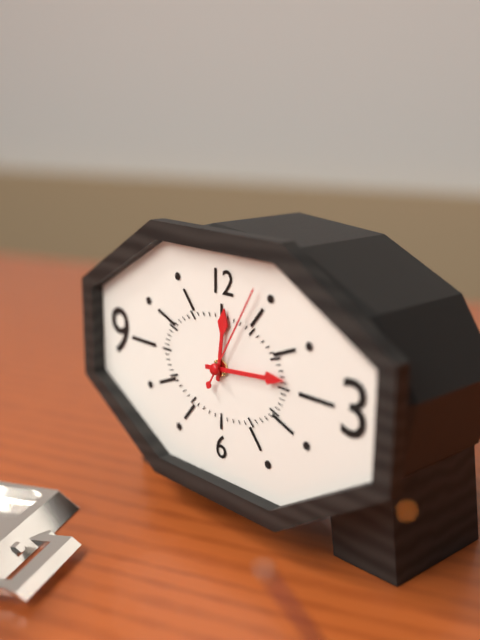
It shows 12,14,05
